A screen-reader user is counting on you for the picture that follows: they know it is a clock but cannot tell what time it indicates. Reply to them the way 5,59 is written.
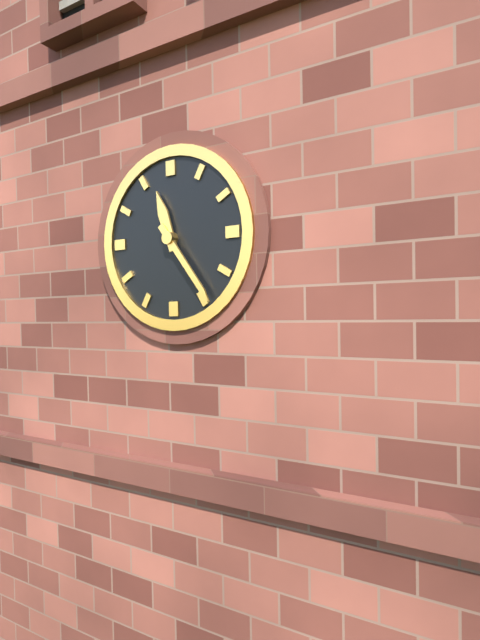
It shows 11,24
